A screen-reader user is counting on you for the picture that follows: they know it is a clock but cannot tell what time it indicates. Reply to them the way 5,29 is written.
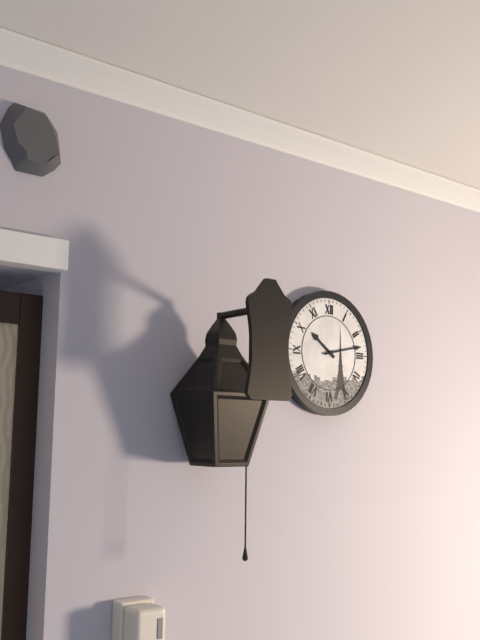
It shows 10,13
